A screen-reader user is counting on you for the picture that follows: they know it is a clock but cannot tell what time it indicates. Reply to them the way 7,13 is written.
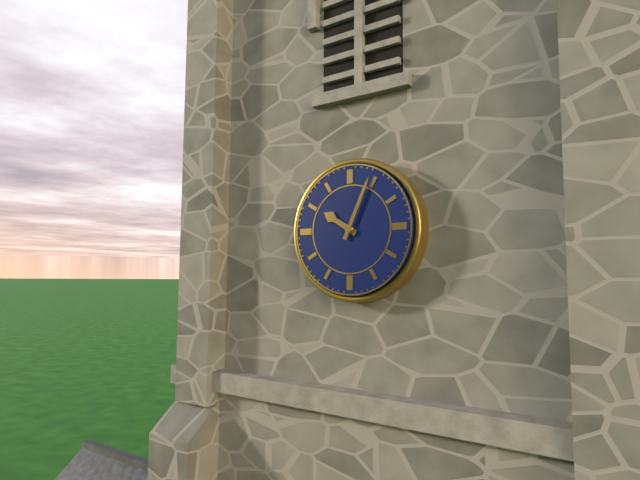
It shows 10,04
